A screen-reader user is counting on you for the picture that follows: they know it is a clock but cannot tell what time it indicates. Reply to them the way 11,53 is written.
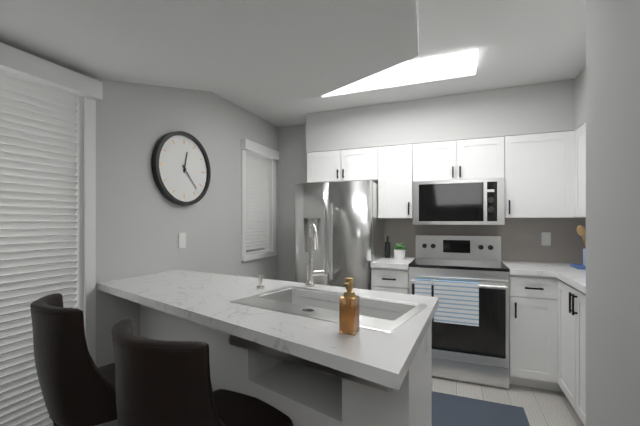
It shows 12,23
